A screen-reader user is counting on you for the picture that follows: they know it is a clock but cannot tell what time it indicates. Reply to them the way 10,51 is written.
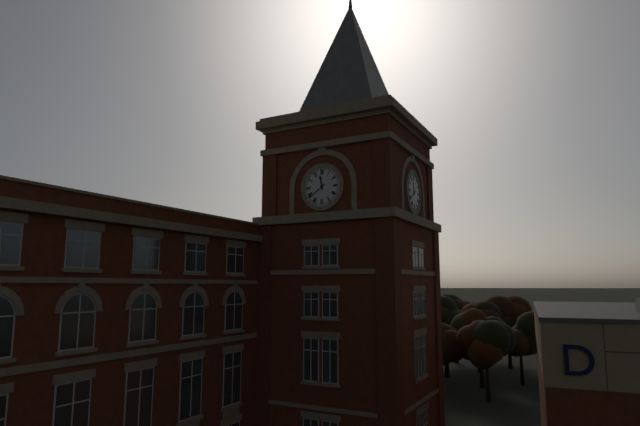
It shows 11,39
